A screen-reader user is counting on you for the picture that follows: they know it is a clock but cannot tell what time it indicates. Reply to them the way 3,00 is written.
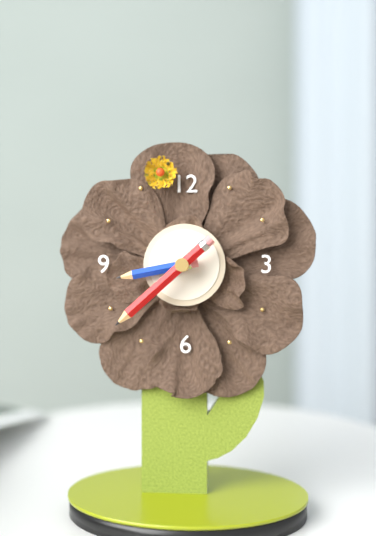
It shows 8,38
